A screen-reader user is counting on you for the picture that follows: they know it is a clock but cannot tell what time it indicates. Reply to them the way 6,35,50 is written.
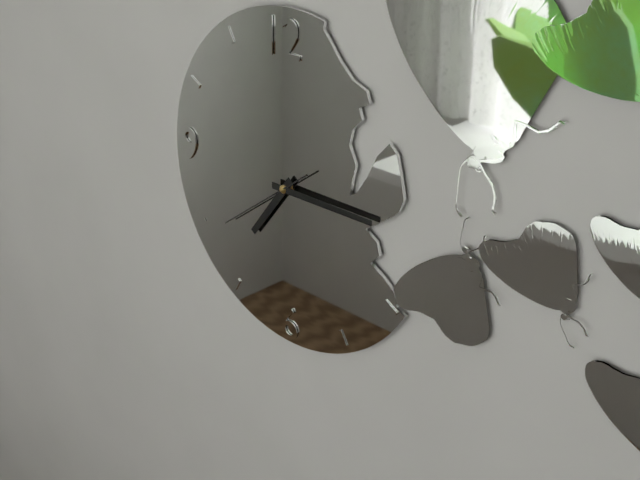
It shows 7,15,39
